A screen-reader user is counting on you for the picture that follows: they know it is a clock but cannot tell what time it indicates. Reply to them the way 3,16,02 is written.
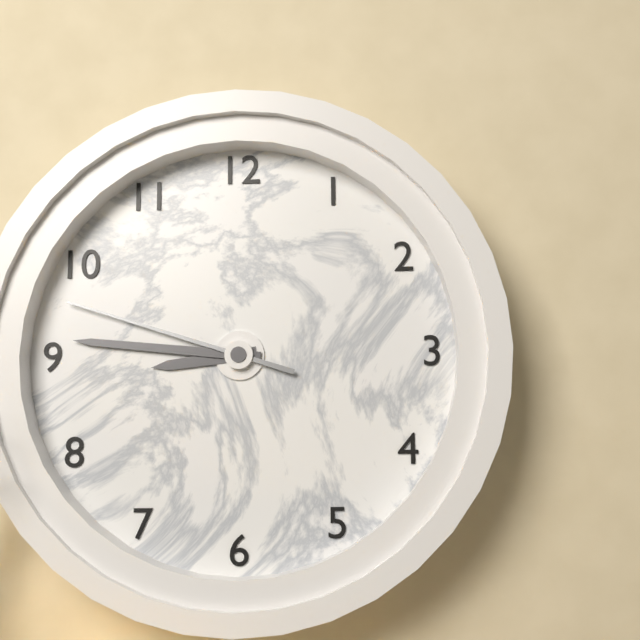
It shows 8,46,48
